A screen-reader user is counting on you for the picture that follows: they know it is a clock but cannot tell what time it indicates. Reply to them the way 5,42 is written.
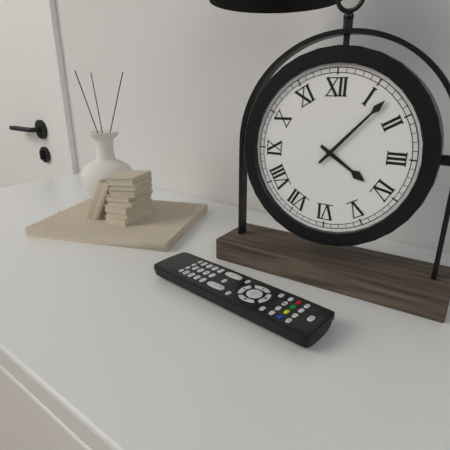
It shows 4,07
